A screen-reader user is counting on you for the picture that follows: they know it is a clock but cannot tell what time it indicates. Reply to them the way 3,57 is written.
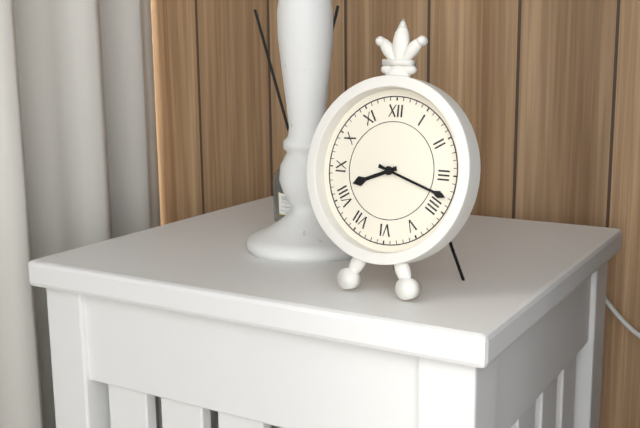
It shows 8,18
